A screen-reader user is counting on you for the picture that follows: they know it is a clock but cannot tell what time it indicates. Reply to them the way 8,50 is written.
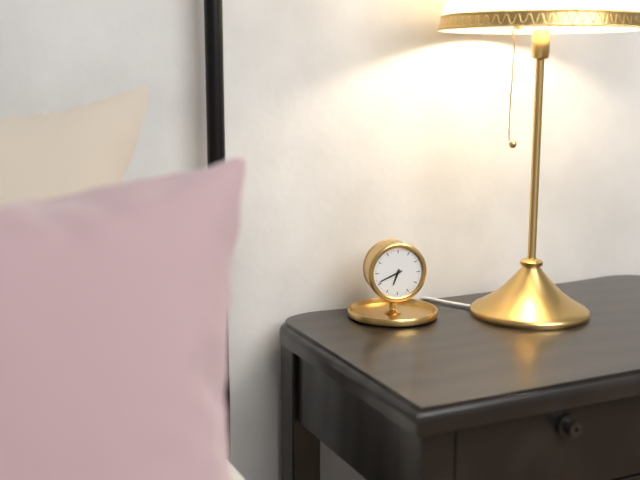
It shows 6,41
